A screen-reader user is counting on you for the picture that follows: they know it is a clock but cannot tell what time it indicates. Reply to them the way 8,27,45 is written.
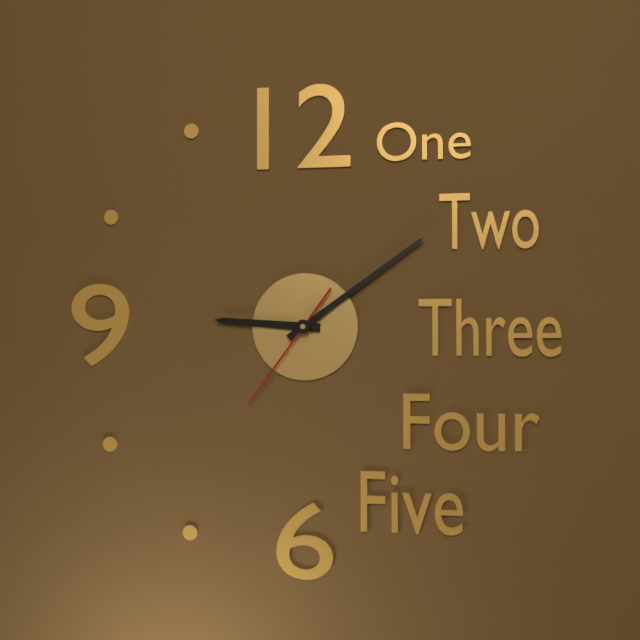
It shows 9,09,36
